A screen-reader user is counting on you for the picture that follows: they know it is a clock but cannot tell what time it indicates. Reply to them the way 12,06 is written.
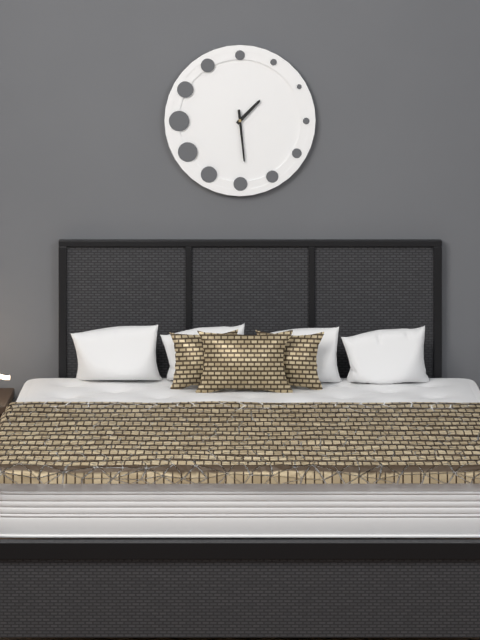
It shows 1,29
